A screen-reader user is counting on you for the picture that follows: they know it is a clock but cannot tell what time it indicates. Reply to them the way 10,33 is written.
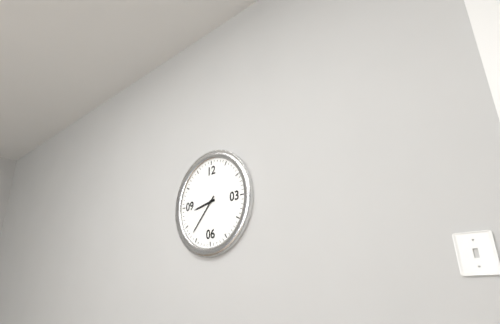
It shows 8,37
